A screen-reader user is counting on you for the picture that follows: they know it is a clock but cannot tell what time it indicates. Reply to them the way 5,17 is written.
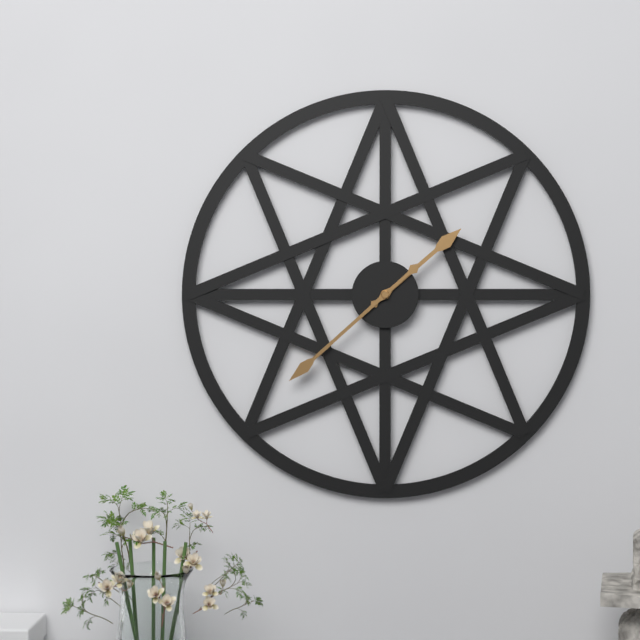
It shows 1,38
